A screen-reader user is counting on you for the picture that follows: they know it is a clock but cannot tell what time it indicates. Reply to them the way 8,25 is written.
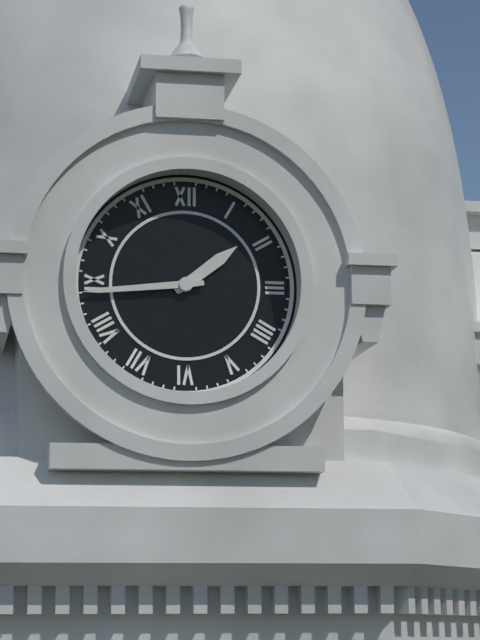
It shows 1,44
